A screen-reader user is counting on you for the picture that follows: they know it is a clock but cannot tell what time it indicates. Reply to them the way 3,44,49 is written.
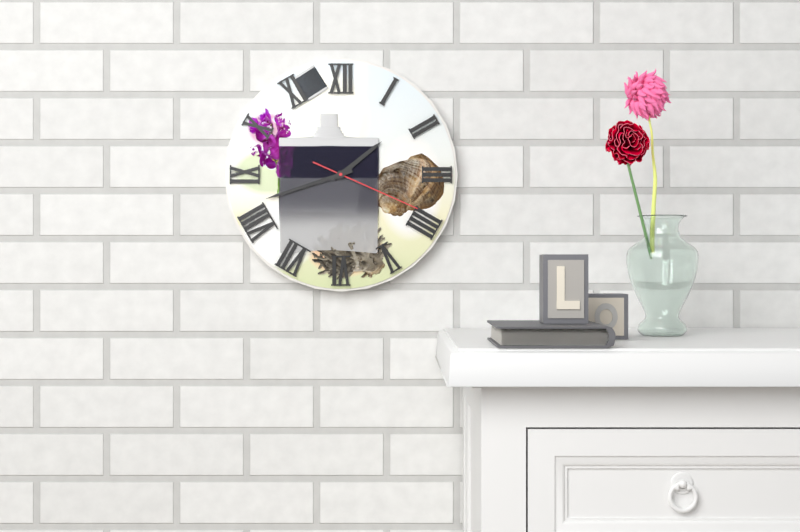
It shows 1,42,19
